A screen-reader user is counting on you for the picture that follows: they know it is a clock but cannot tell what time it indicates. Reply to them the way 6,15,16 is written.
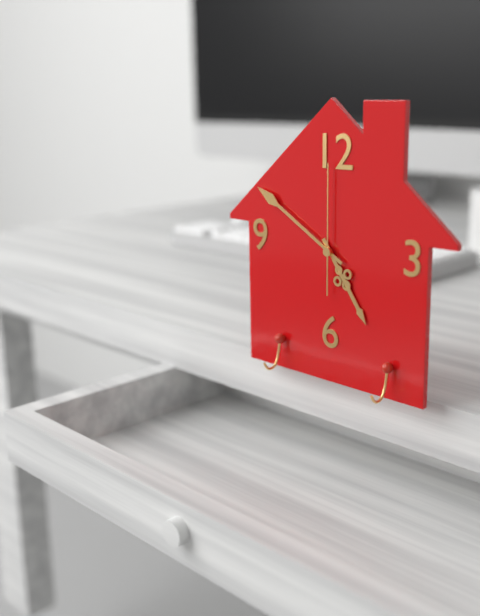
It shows 4,50,00
